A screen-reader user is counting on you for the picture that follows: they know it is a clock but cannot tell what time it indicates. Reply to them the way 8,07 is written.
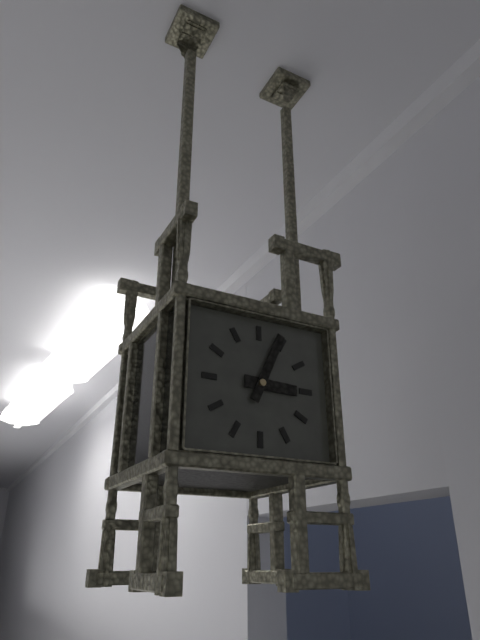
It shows 3,04
